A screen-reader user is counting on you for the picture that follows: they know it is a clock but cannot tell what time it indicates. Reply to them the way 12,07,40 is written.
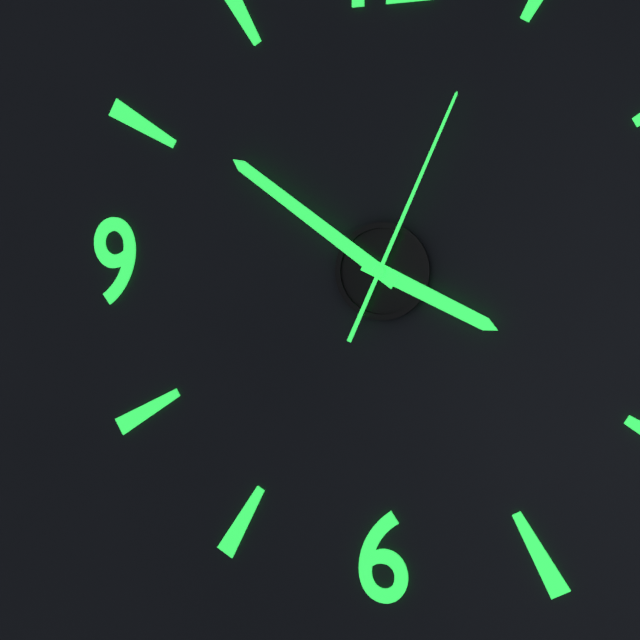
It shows 3,51,04
